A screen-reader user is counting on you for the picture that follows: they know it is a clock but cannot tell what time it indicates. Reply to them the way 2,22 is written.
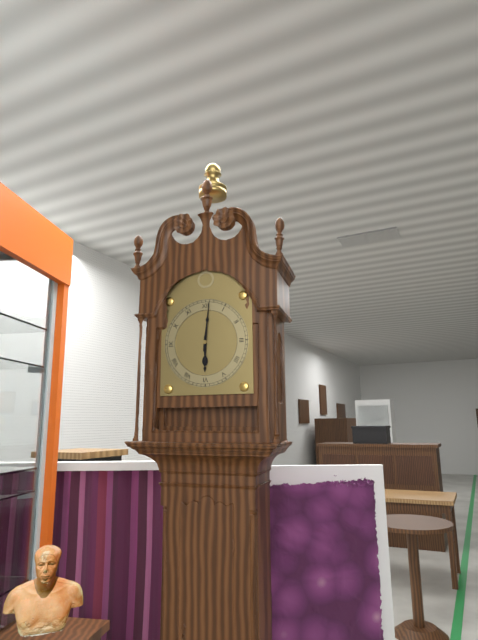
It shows 6,01
